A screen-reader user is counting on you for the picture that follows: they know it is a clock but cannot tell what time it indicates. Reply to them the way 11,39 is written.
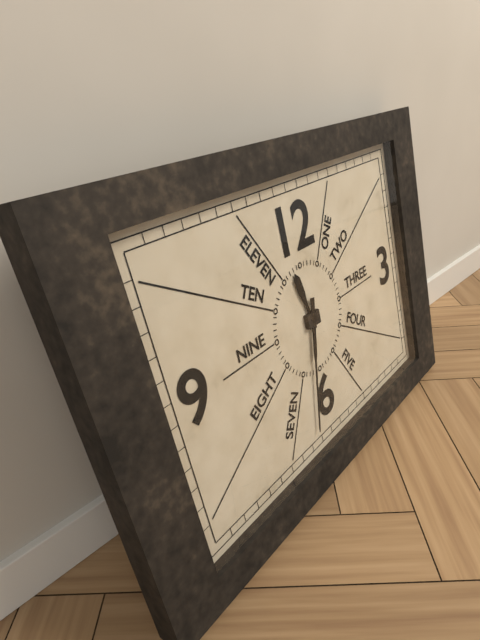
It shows 11,32
